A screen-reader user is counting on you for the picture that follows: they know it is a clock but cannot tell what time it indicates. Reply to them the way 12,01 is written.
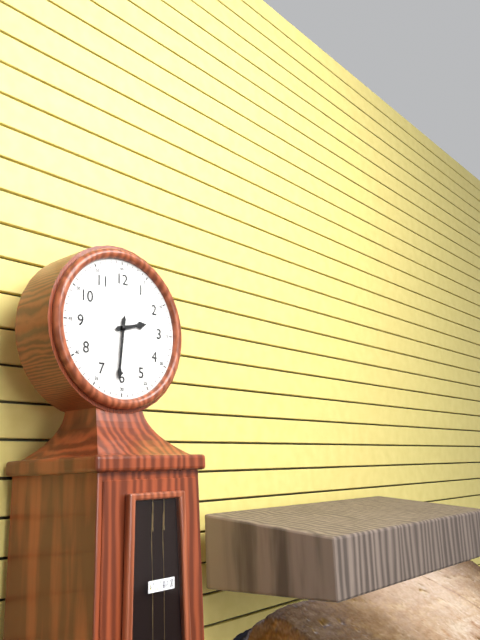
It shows 2,31
